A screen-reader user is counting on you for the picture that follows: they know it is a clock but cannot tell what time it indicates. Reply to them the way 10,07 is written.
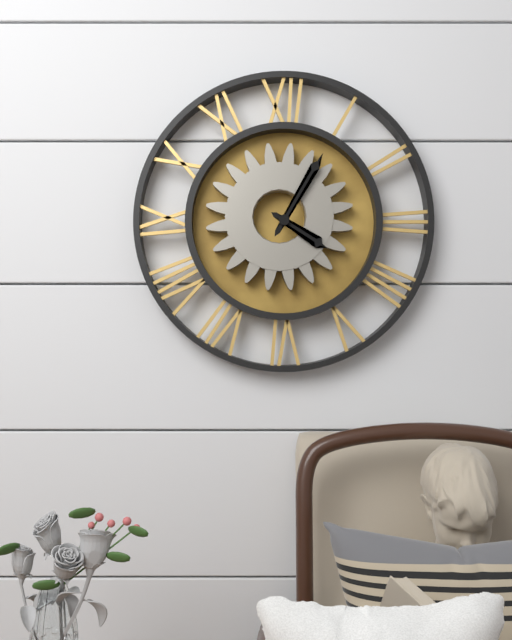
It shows 4,05
